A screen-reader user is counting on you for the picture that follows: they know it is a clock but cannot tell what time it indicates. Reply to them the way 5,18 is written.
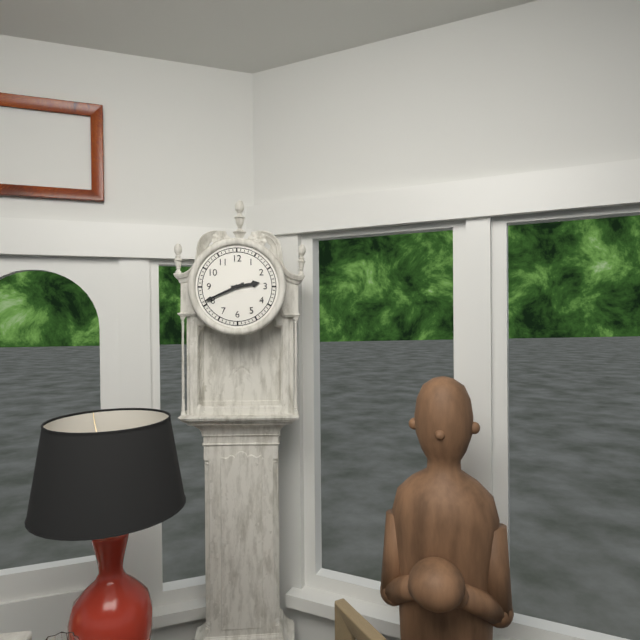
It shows 2,41
